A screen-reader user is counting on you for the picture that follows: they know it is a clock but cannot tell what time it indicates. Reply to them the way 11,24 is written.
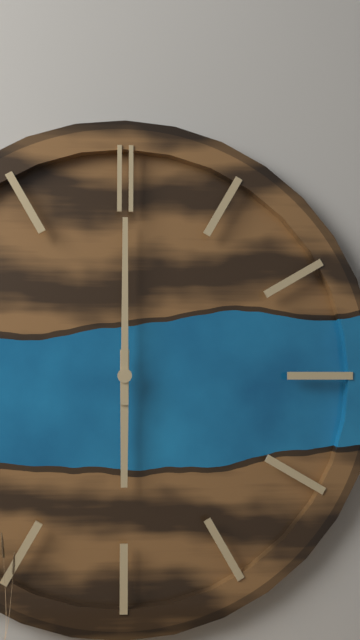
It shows 6,00
